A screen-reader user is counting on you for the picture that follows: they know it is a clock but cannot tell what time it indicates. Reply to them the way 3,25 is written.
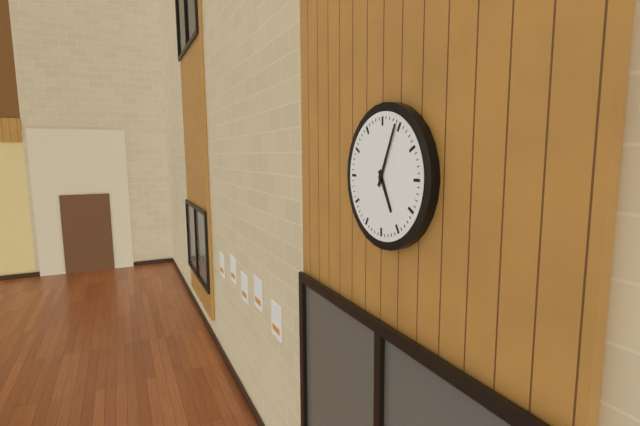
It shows 5,04
